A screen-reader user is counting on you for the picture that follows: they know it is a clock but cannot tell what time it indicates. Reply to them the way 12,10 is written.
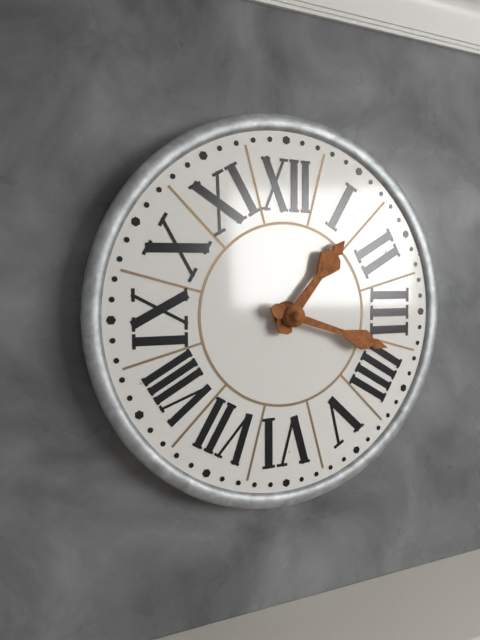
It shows 1,18
